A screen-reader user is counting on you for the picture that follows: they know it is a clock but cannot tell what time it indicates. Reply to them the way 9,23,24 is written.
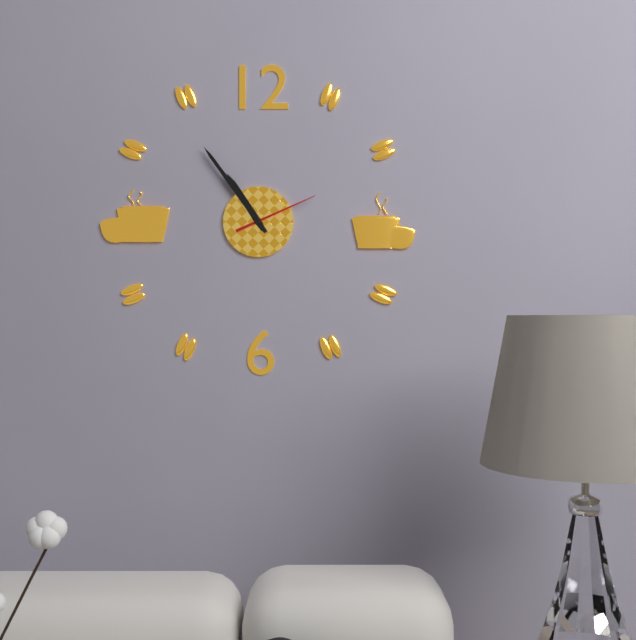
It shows 10,54,11
